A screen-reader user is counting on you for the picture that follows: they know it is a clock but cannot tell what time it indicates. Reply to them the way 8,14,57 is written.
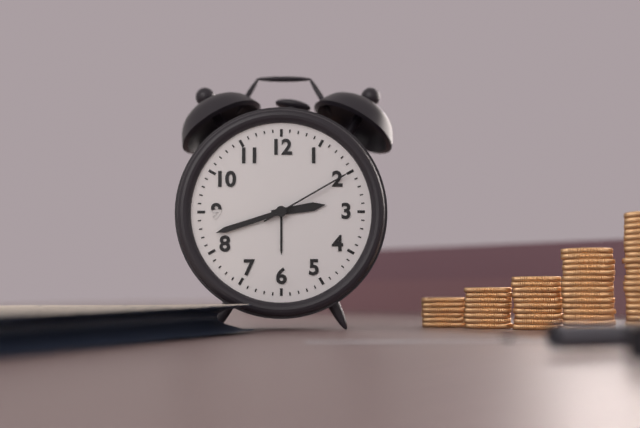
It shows 2,42,10
